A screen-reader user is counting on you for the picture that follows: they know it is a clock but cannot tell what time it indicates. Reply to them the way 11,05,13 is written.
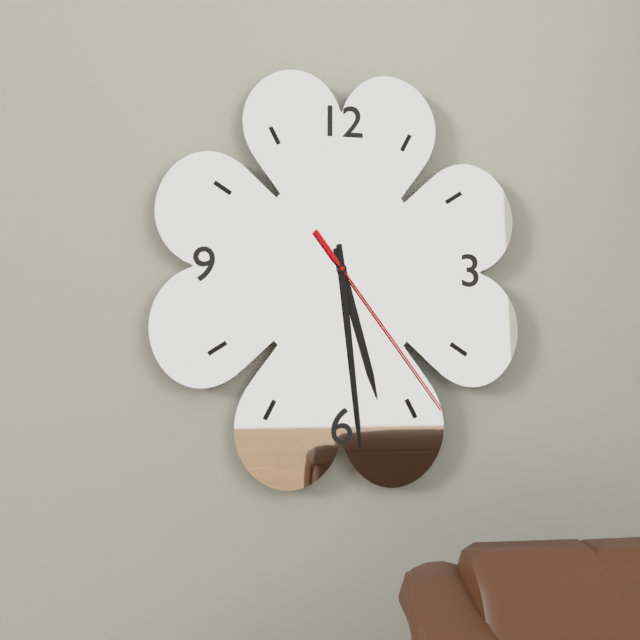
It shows 5,29,24
